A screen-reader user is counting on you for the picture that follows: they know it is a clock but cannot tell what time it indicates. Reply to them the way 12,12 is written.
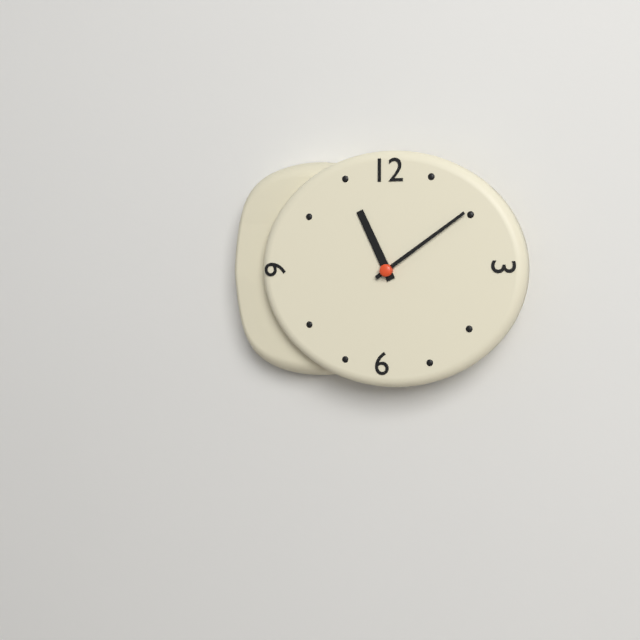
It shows 11,09
